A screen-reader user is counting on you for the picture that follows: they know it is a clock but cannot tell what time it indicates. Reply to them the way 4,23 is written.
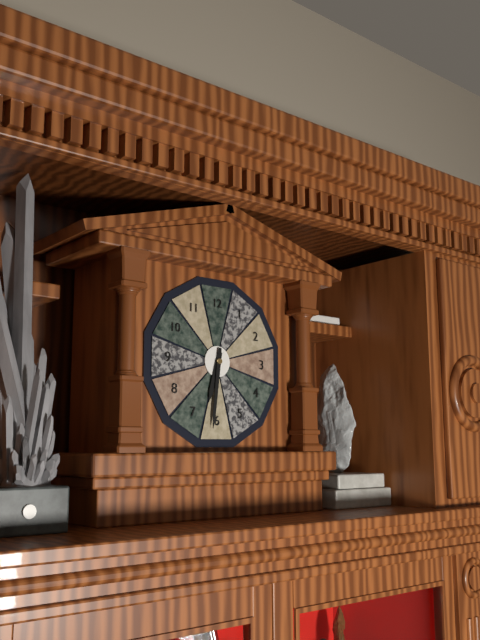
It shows 6,31
